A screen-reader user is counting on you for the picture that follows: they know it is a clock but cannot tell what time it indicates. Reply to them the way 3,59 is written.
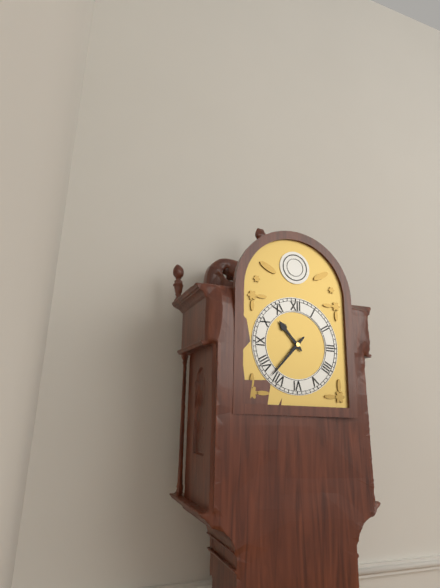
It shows 10,37
